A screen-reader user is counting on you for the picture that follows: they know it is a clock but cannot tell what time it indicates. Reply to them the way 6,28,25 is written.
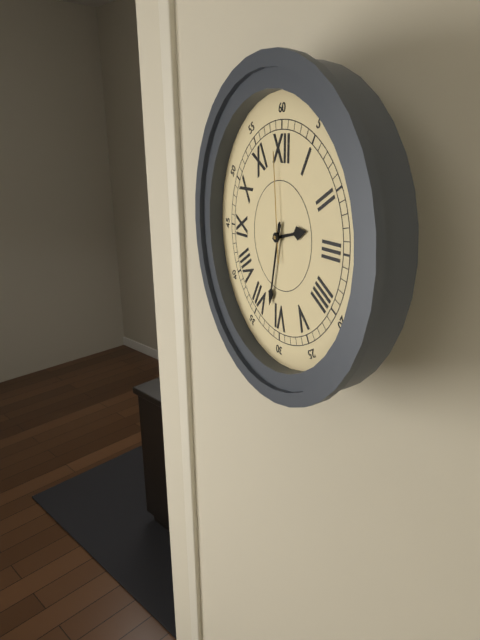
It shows 2,32,59
